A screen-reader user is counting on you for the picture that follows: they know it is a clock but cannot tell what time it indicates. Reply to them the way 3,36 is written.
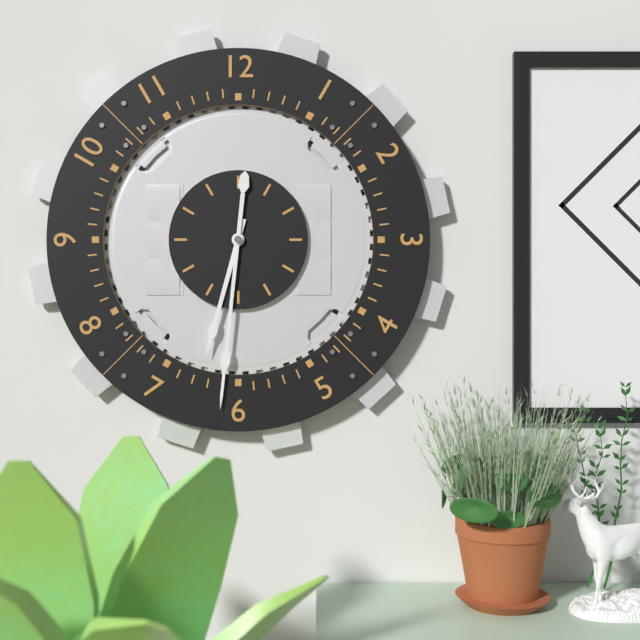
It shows 6,31
